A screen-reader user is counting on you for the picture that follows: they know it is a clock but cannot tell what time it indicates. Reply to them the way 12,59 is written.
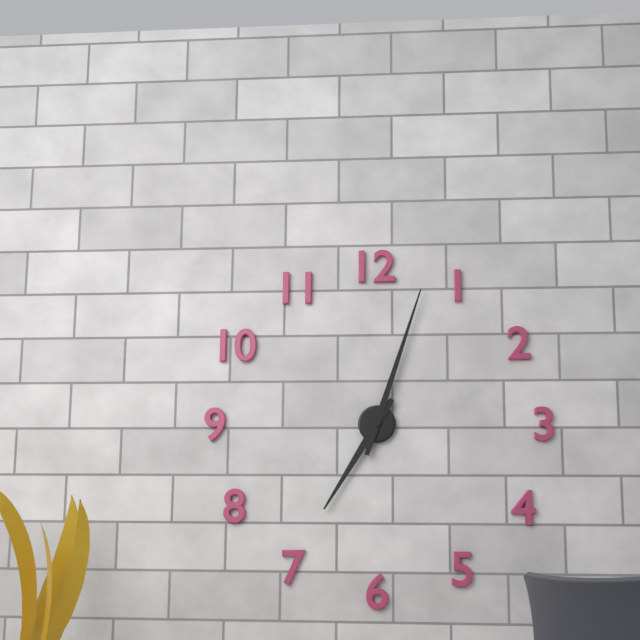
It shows 7,03
